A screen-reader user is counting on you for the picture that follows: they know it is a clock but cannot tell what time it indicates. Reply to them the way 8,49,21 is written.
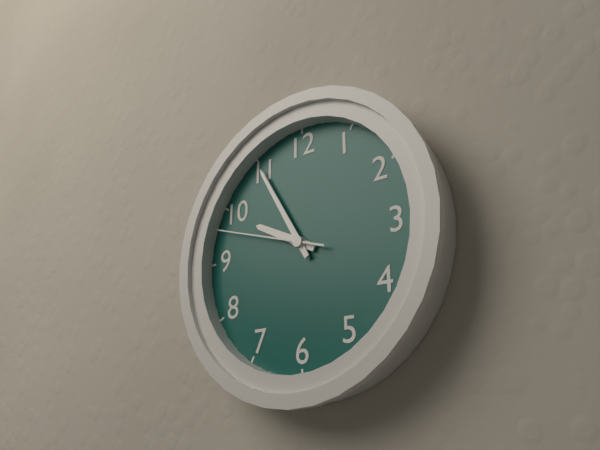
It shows 9,55,48
